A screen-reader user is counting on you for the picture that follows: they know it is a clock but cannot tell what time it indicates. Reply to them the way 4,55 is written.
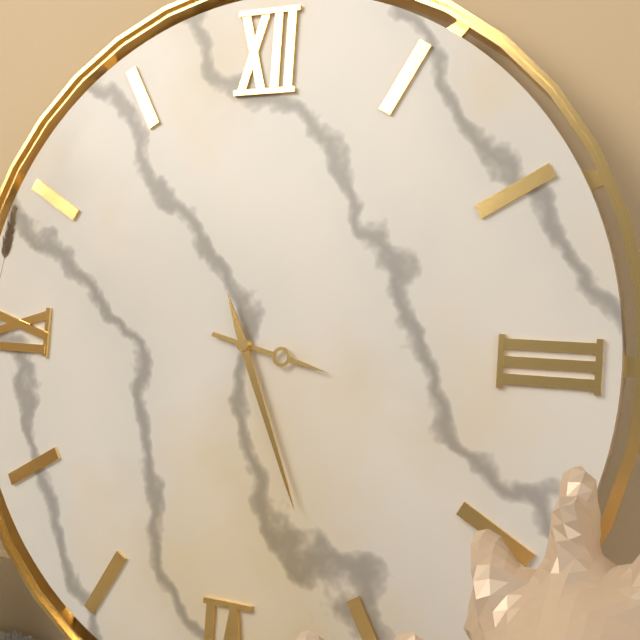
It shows 3,26
